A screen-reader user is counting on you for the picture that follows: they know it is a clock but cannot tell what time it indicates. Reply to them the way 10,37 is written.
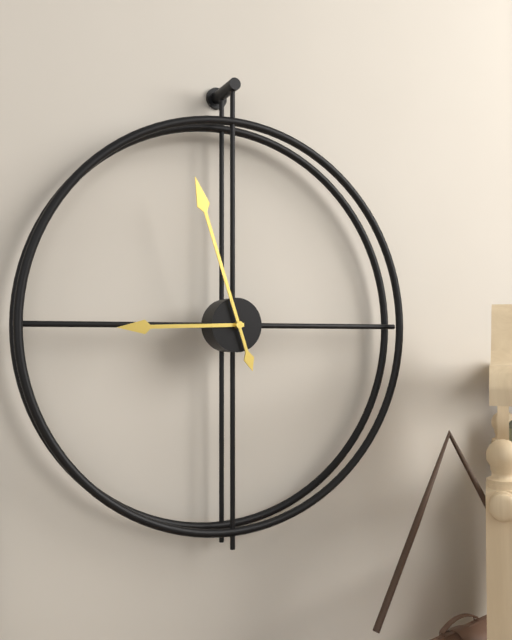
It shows 8,57
